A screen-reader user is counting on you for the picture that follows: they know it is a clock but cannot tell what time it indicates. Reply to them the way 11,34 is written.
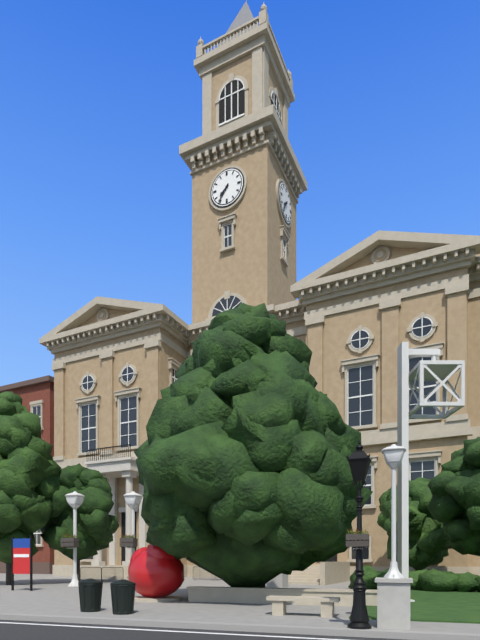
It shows 7,36
